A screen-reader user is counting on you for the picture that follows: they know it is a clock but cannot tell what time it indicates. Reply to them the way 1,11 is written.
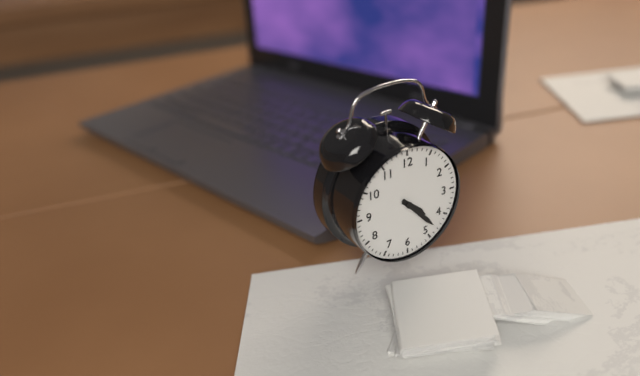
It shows 4,23
